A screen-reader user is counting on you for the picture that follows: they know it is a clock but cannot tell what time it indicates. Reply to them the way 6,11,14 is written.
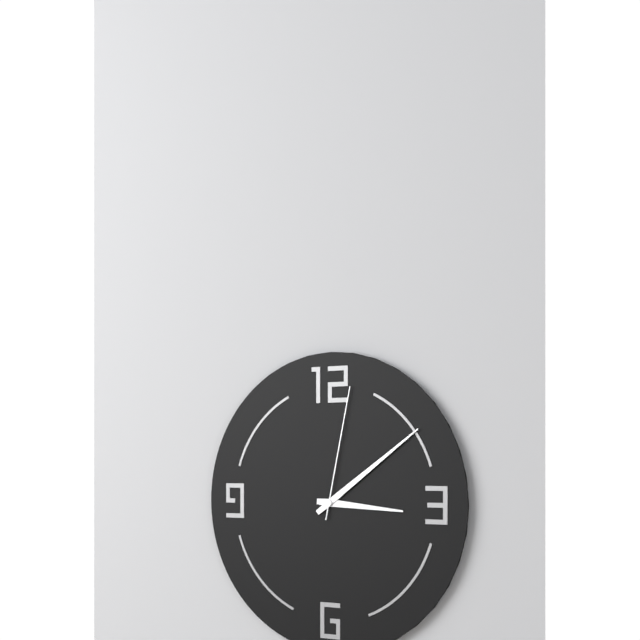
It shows 3,09,02
